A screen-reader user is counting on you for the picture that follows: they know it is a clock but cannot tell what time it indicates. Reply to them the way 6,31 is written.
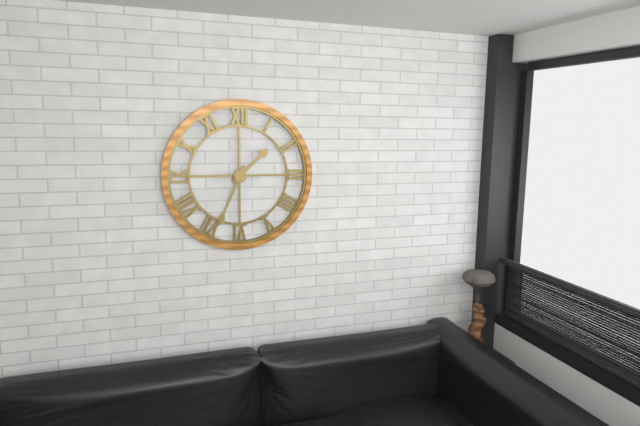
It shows 1,34
